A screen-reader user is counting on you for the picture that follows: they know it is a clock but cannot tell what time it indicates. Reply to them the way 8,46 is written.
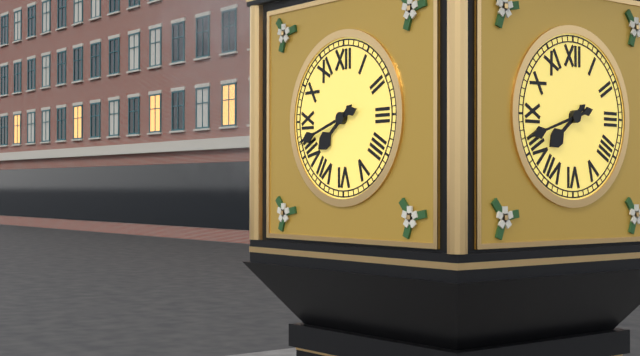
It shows 7,42
